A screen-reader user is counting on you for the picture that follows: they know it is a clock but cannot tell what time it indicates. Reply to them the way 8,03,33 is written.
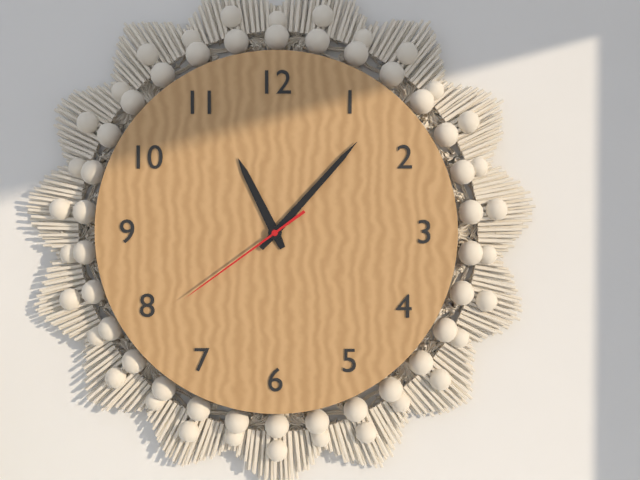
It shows 11,07,39
